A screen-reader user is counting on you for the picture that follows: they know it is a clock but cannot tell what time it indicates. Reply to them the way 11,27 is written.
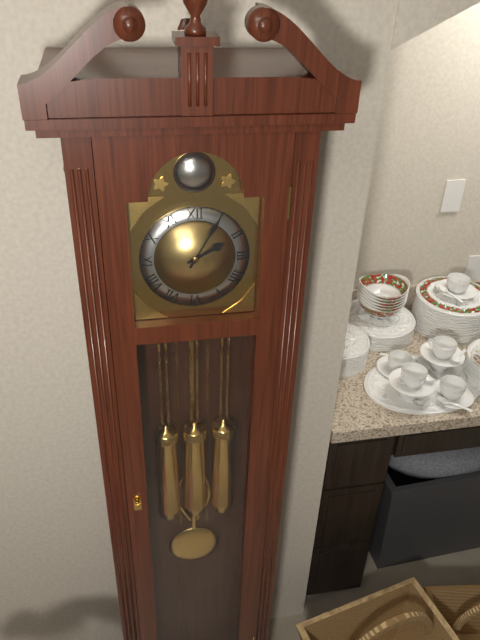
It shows 2,05
